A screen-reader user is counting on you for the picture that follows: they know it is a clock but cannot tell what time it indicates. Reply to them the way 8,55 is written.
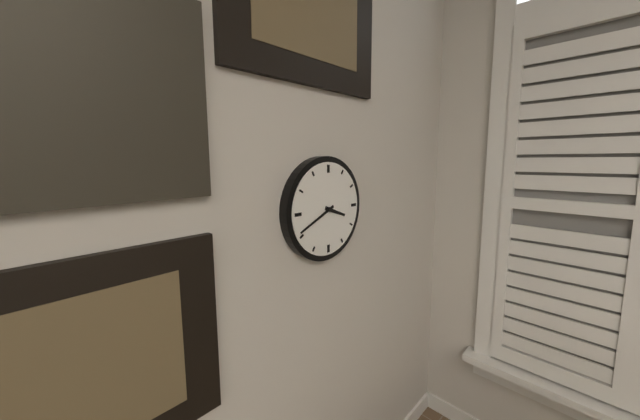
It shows 3,41
